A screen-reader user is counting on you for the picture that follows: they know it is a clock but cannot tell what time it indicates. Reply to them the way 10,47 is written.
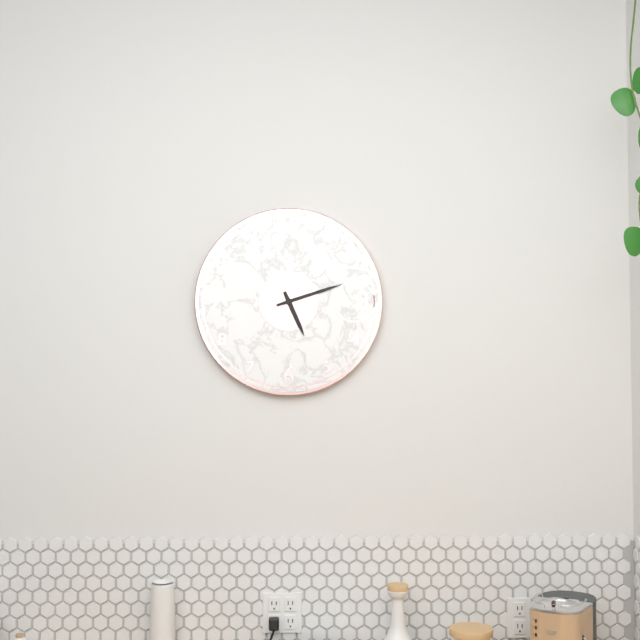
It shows 5,12
